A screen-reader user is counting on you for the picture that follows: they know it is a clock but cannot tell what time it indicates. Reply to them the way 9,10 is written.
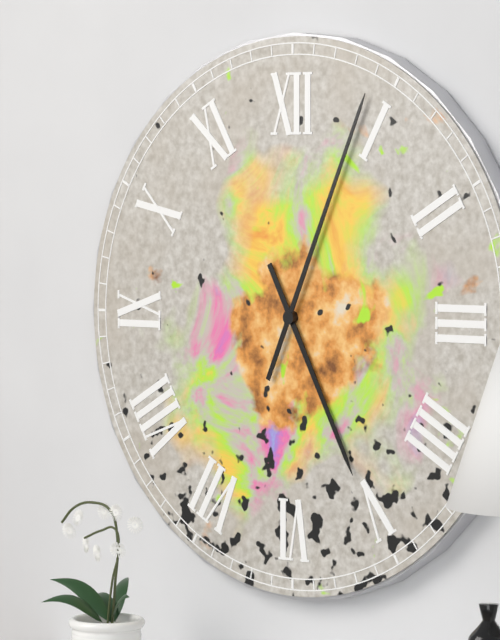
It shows 5,04
